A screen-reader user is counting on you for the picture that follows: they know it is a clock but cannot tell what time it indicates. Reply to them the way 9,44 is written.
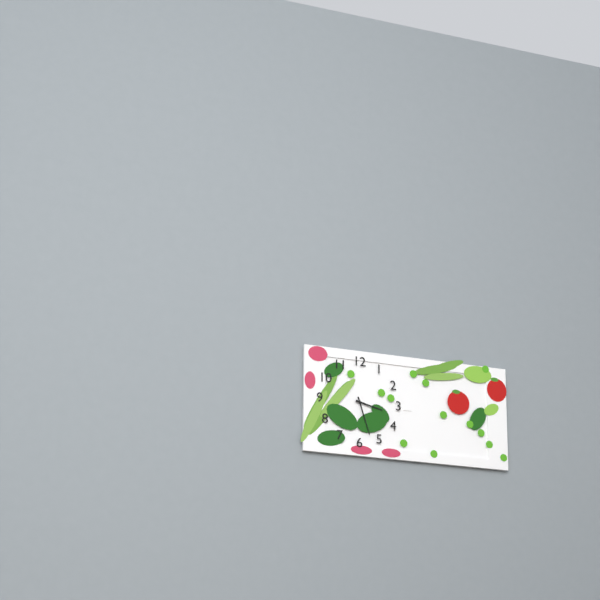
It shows 3,27
